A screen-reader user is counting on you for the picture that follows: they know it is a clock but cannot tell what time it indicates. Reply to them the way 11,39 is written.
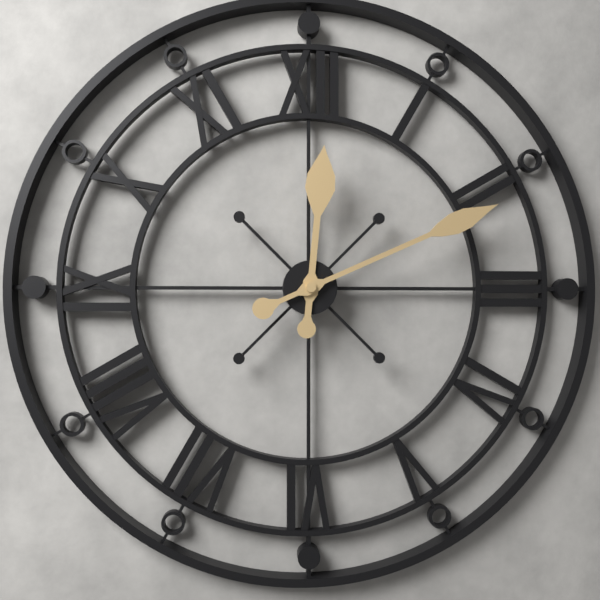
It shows 12,11
